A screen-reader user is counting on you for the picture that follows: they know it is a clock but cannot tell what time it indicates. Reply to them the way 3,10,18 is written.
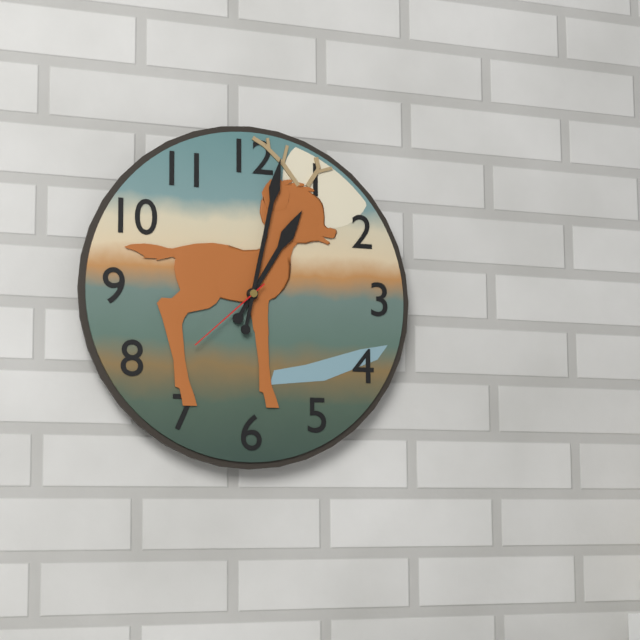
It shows 1,02,38
